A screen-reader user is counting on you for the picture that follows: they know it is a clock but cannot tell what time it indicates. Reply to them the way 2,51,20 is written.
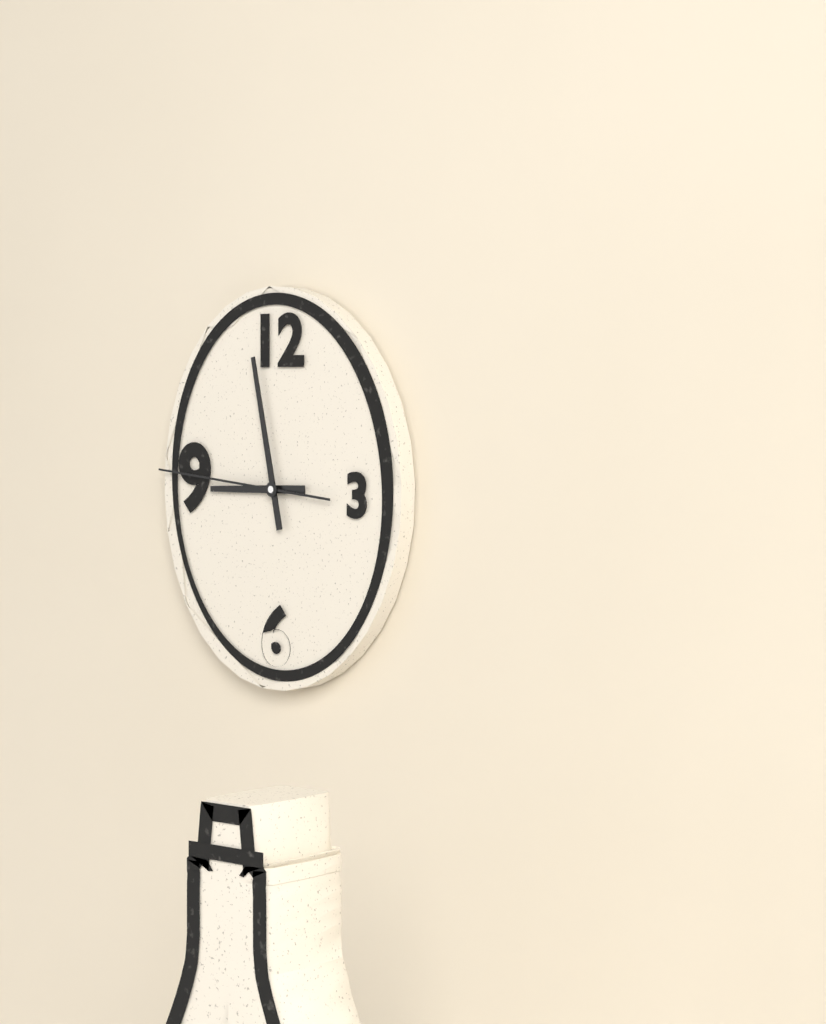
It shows 8,58,46
